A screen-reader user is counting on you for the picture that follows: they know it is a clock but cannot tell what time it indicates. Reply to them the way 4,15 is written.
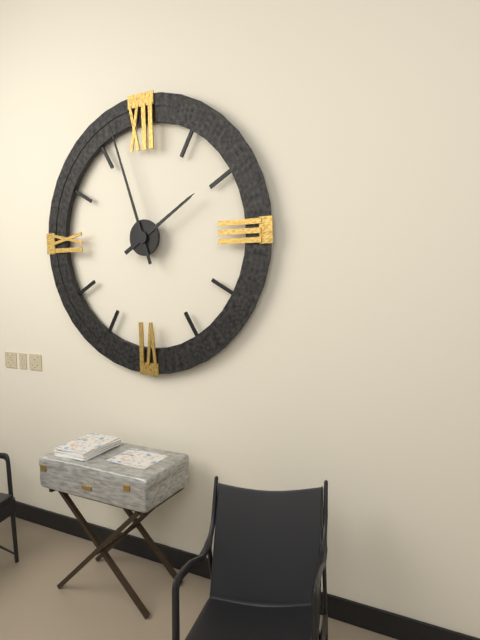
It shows 1,57
